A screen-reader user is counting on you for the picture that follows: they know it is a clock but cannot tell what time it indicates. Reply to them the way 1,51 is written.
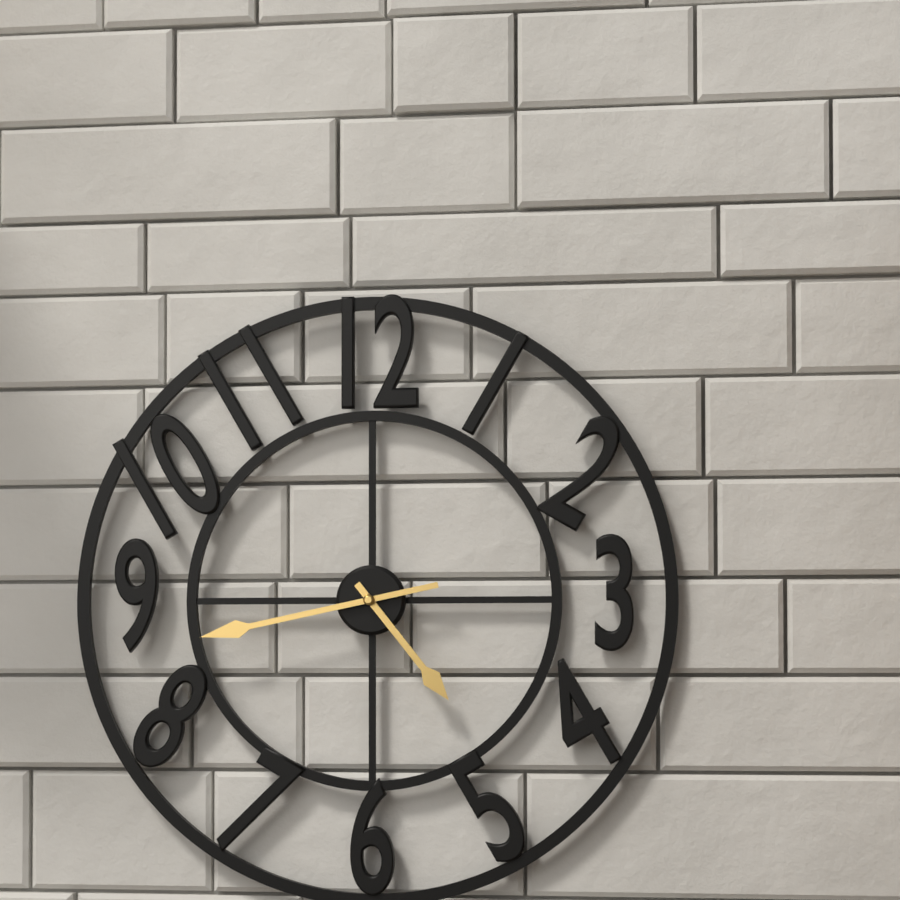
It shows 4,43
